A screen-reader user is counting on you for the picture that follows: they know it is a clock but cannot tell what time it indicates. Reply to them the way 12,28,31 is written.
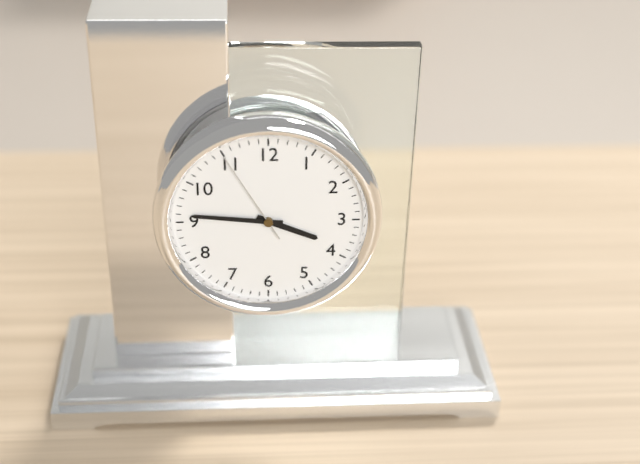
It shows 3,46,55
